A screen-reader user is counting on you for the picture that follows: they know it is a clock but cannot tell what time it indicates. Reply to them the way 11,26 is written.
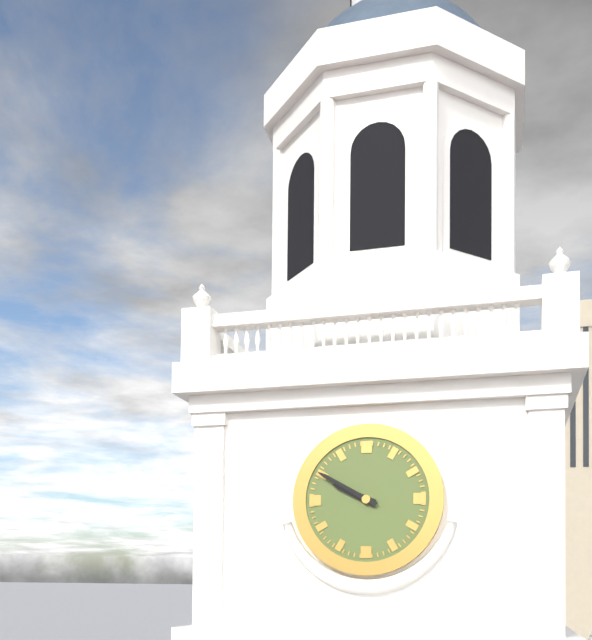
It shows 9,50
